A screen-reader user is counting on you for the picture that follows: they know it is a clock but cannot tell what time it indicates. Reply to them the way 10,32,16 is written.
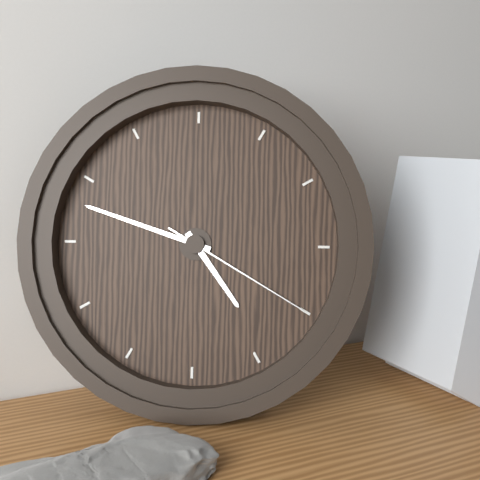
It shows 4,48,20
